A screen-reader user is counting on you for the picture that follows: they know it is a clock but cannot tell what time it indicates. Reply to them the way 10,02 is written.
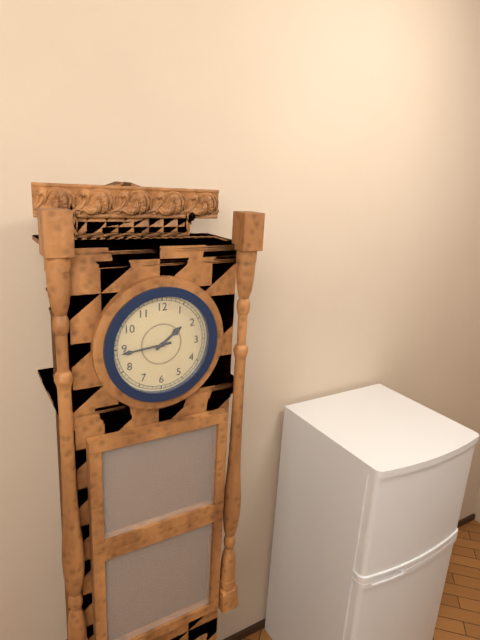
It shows 1,44
